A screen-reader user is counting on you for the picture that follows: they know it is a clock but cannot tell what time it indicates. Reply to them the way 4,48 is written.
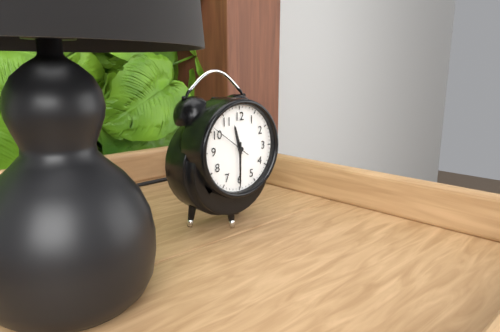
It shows 11,30
